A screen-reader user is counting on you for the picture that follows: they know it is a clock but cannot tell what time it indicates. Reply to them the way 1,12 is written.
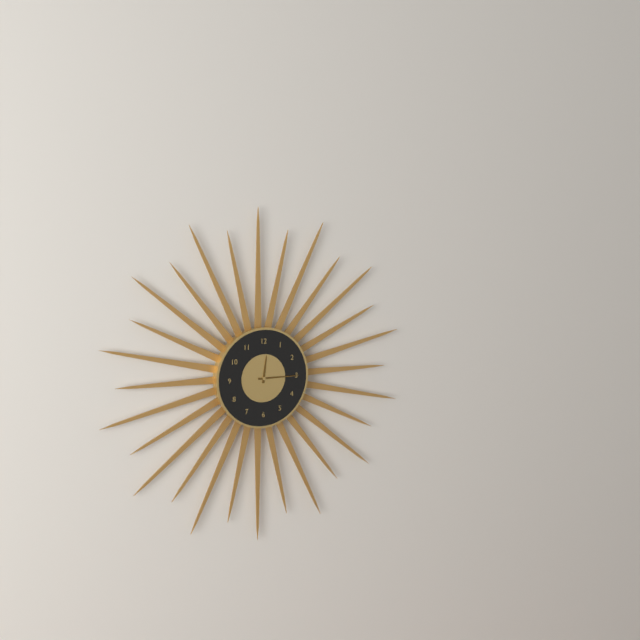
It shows 12,15
